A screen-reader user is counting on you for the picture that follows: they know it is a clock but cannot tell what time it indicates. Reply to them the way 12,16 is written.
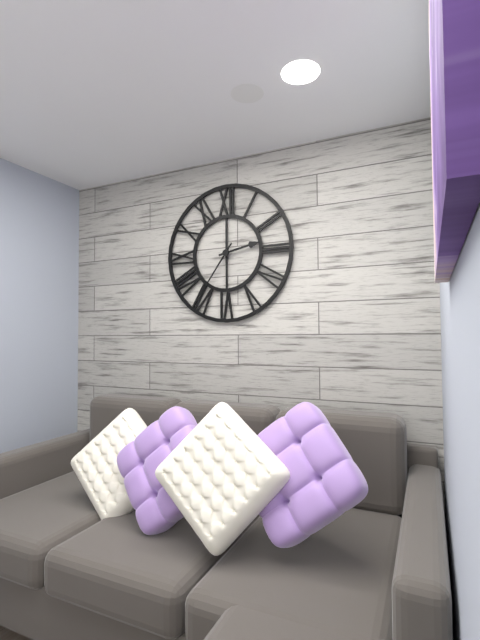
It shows 2,36
